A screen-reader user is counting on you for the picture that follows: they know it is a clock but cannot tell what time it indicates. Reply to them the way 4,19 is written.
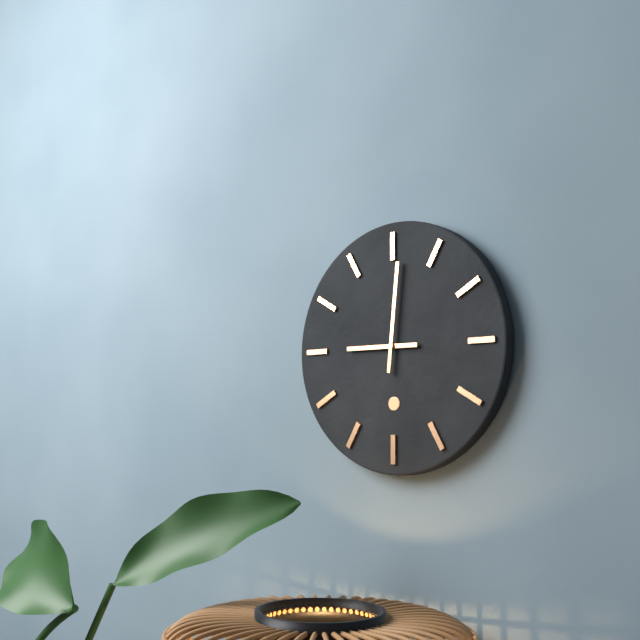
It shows 9,01
